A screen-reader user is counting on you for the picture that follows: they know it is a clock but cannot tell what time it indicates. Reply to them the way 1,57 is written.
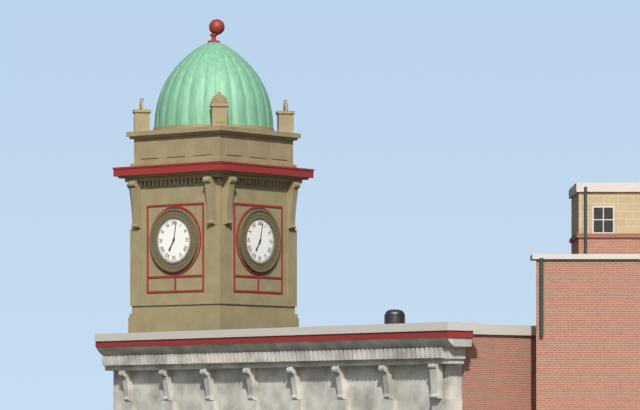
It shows 7,02
